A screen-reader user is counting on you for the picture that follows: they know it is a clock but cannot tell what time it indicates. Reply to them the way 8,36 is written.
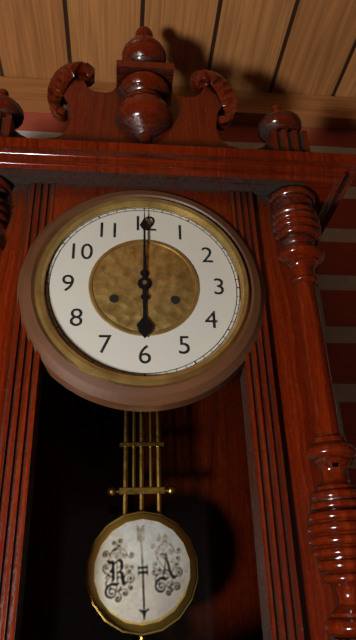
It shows 6,00
